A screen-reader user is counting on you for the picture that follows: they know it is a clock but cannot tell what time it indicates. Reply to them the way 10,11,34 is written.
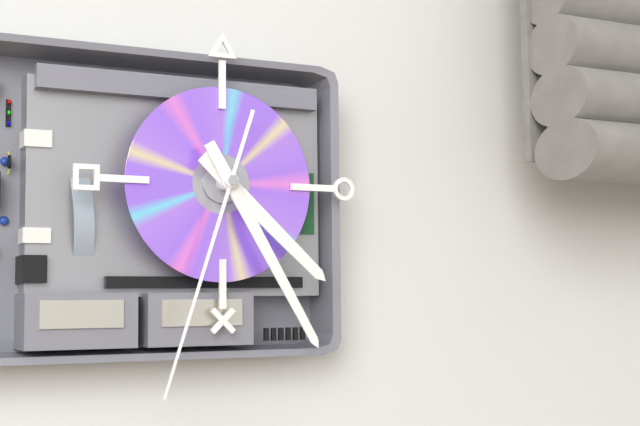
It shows 4,25,33
